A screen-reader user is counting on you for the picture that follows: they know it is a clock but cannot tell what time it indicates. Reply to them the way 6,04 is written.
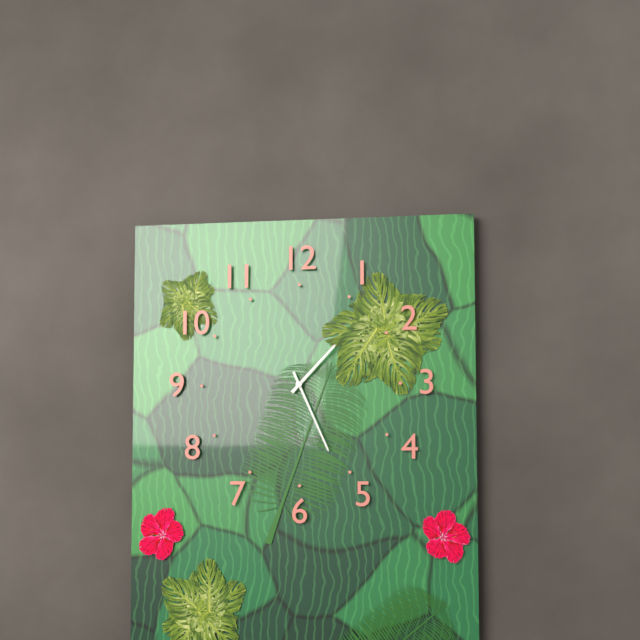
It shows 1,26
